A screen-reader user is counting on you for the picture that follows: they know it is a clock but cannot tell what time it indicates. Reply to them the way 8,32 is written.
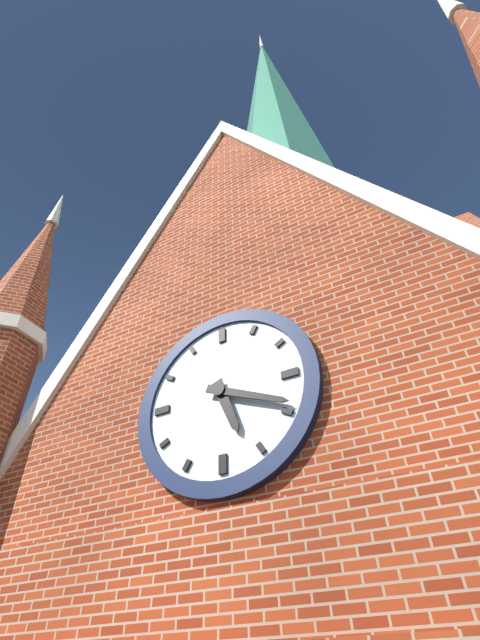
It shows 5,19
